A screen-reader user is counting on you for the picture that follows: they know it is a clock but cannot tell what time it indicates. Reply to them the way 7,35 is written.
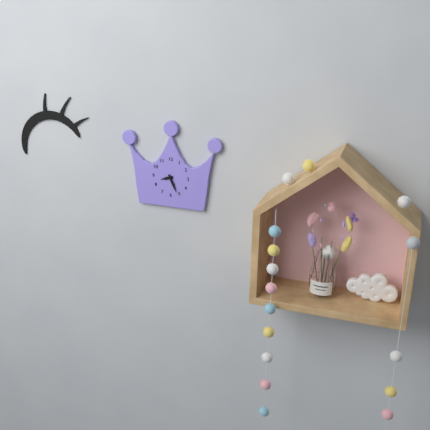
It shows 8,26
